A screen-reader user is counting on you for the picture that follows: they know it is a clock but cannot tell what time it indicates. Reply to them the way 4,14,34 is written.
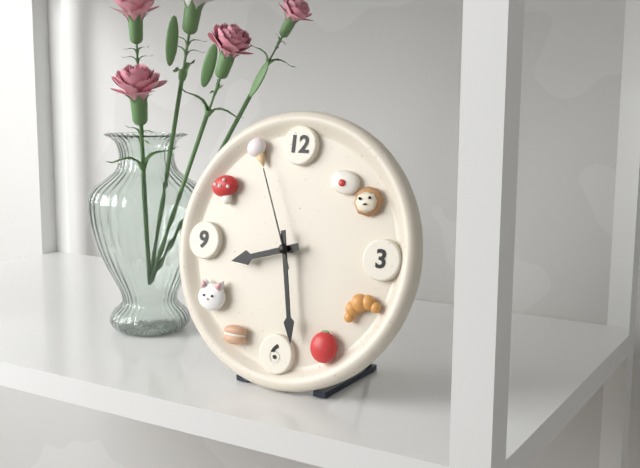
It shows 8,28,56
